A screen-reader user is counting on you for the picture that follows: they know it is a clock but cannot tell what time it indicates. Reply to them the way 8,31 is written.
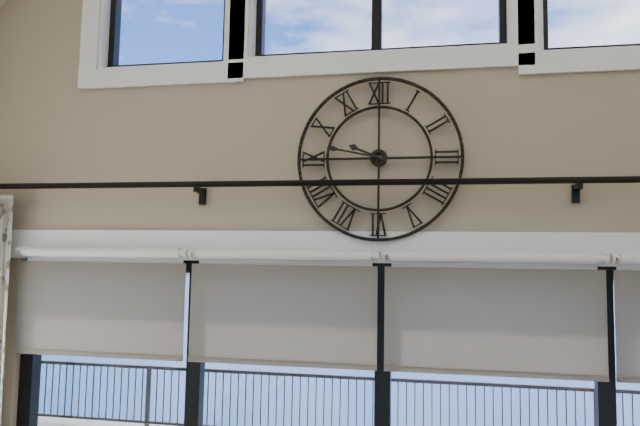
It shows 9,47
